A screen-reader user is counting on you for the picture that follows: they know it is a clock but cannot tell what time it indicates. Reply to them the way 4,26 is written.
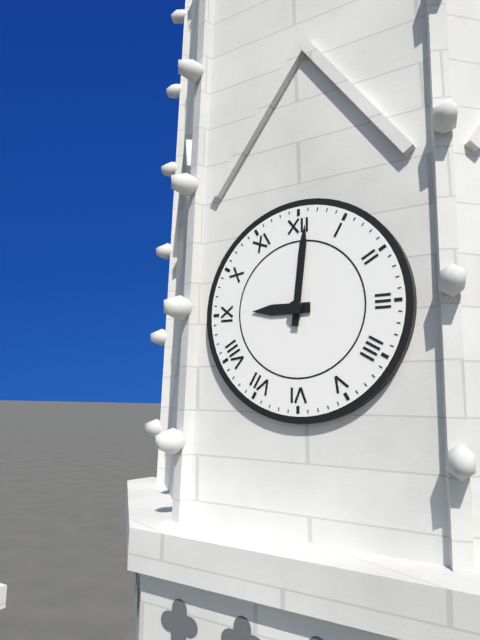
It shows 9,01
